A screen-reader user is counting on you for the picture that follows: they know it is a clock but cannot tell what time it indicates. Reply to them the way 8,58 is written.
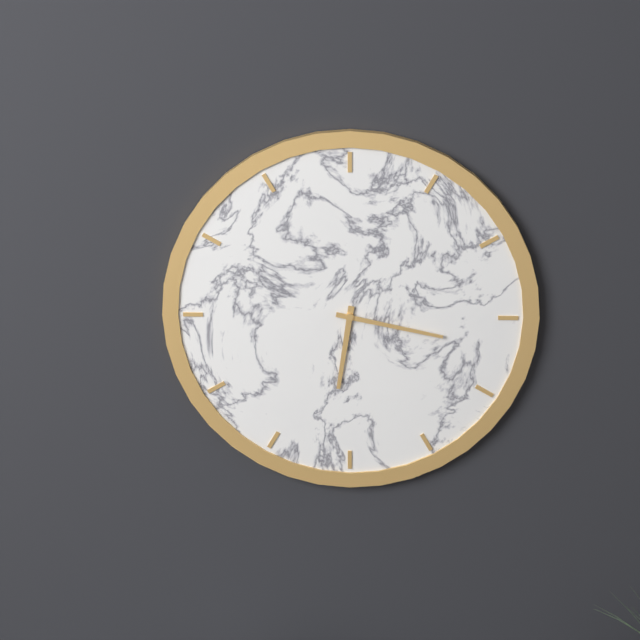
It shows 6,17
